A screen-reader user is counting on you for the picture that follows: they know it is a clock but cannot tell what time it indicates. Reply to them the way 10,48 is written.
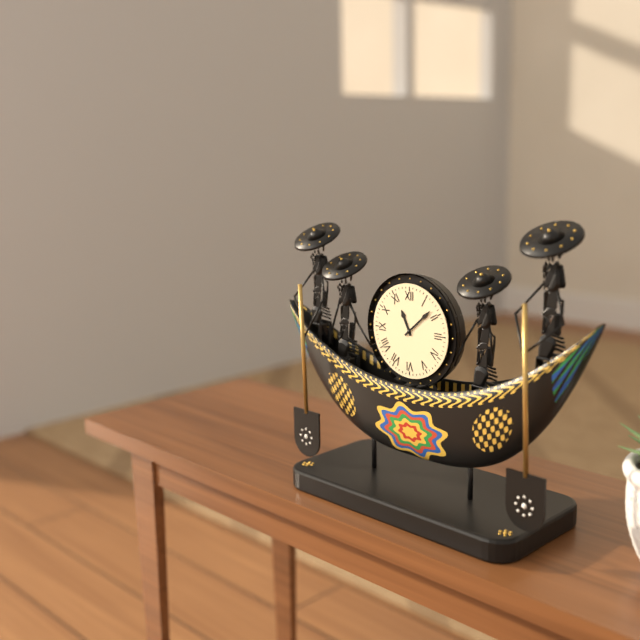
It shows 11,08
